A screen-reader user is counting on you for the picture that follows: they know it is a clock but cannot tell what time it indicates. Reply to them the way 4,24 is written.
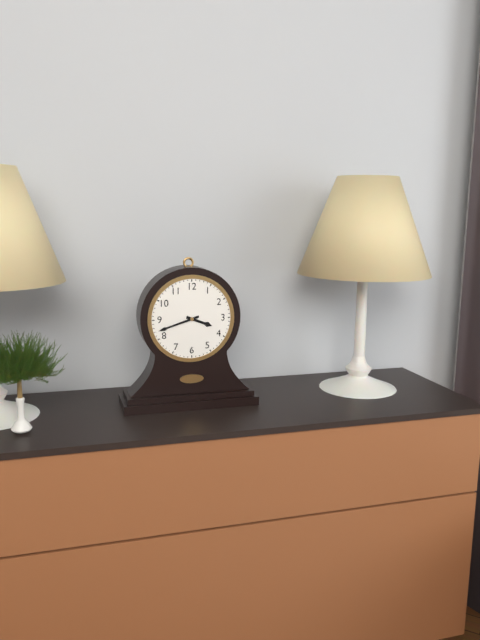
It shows 3,42
